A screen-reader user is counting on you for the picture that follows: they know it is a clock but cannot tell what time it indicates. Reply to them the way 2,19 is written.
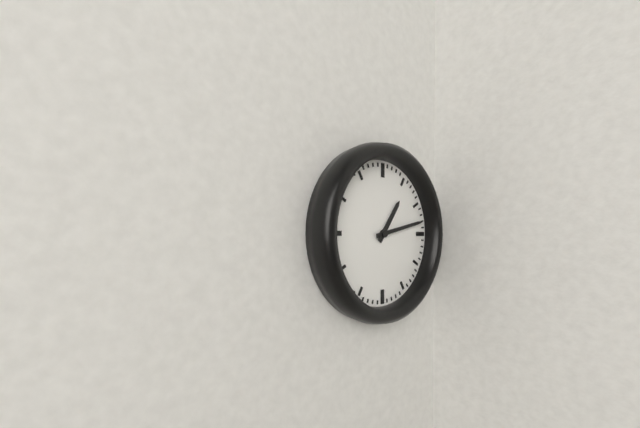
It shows 1,13
